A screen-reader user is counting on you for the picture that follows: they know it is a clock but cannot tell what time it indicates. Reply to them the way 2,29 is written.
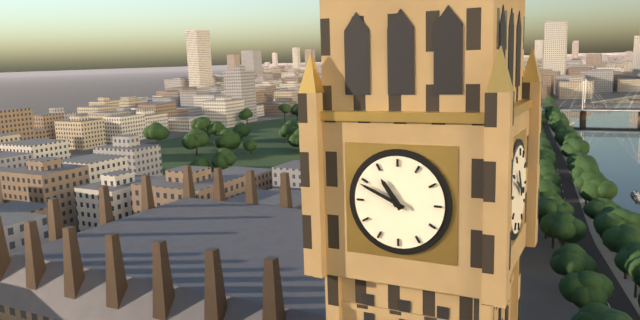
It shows 10,49
